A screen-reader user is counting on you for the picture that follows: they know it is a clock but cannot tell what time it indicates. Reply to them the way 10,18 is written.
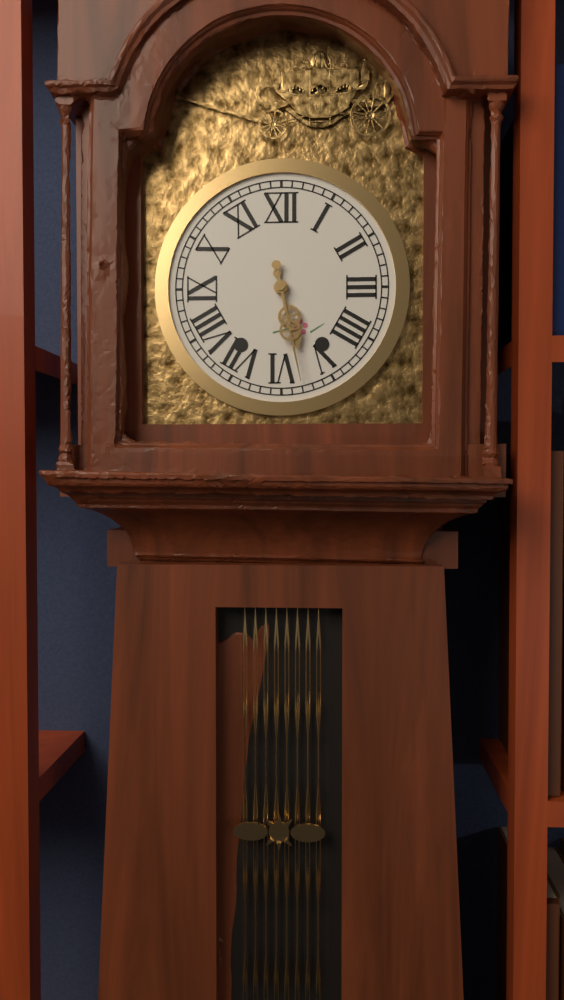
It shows 5,28
